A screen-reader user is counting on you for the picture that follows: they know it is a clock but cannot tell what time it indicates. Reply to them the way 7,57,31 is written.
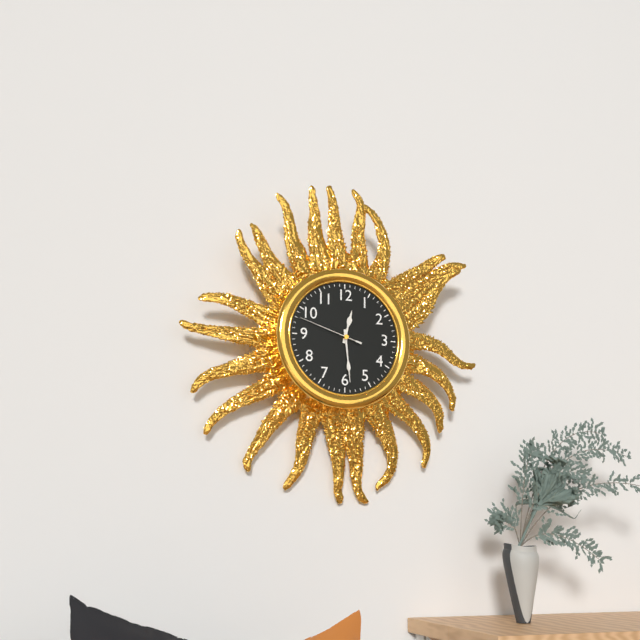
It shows 12,29,48
